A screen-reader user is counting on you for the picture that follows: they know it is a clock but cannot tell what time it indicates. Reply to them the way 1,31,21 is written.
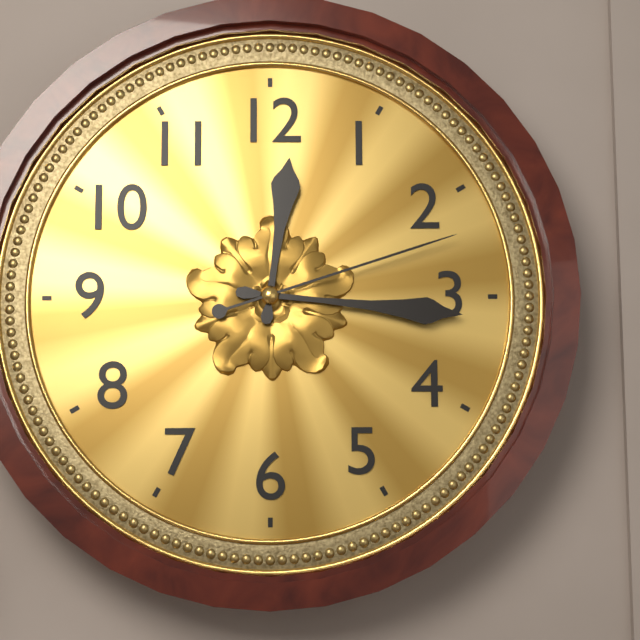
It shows 12,16,12
